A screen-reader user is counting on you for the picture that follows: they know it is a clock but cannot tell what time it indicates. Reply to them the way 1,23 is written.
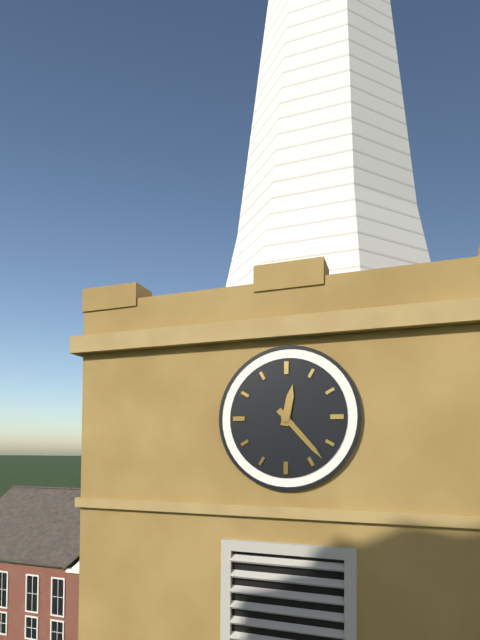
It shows 12,23
